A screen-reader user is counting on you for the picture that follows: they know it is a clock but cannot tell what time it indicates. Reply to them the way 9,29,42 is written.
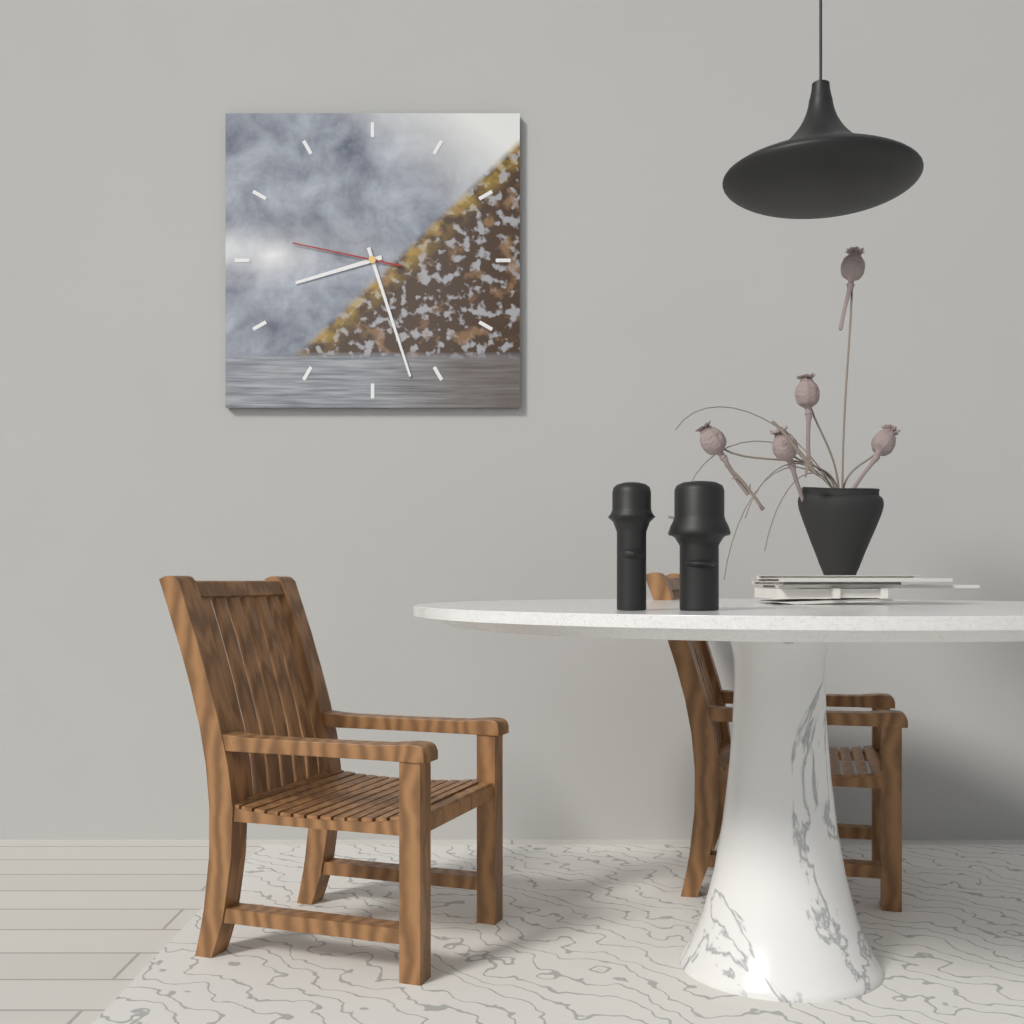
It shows 8,27,47
